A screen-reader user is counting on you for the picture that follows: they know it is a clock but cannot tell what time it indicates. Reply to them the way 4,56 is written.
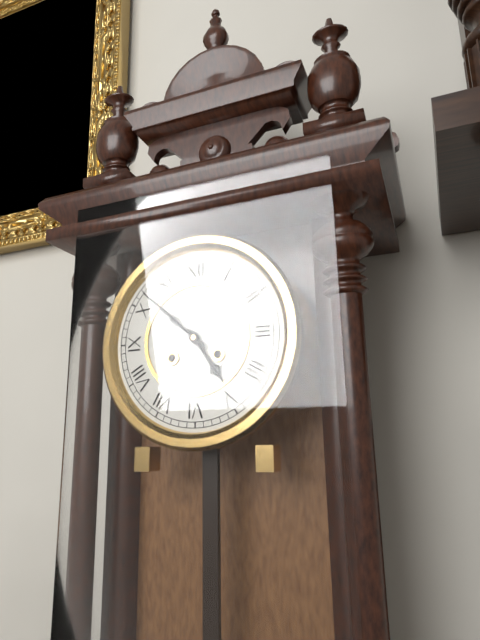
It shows 4,52
